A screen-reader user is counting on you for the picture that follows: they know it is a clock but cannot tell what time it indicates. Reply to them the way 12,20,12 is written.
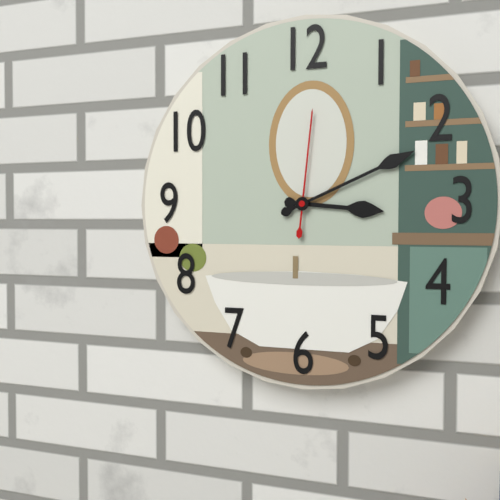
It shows 3,11,01
